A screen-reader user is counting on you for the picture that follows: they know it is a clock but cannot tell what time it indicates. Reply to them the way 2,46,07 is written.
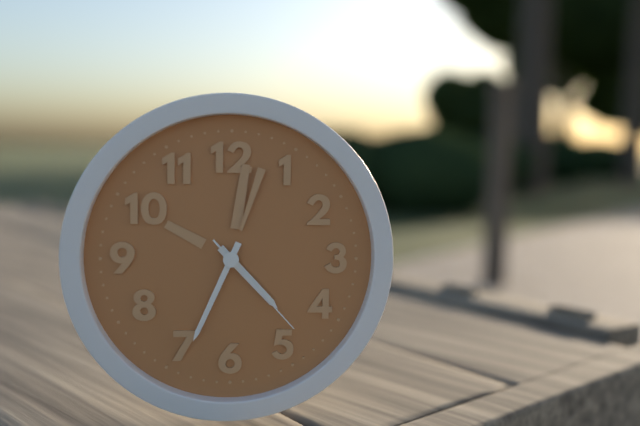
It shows 4,34,23
